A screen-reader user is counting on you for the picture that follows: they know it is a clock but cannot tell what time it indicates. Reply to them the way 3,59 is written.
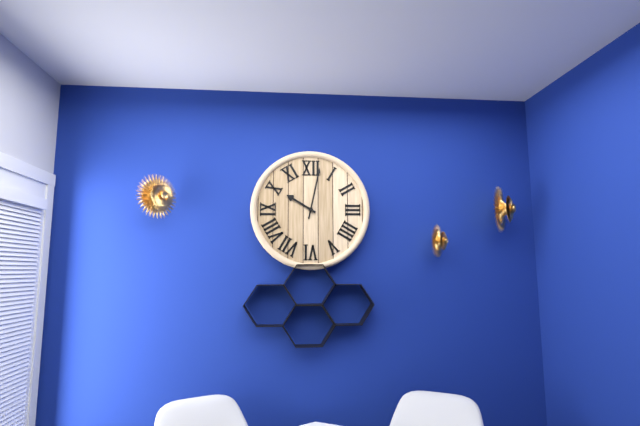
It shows 10,02
